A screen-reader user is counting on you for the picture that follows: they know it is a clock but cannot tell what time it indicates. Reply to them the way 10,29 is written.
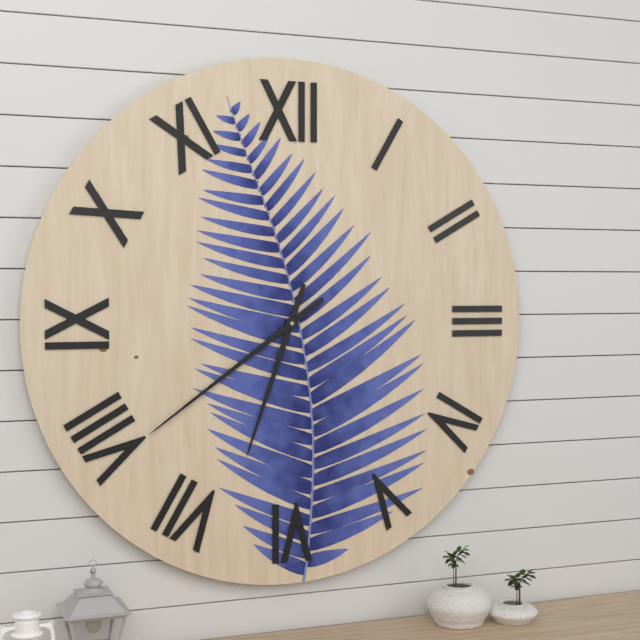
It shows 6,39
